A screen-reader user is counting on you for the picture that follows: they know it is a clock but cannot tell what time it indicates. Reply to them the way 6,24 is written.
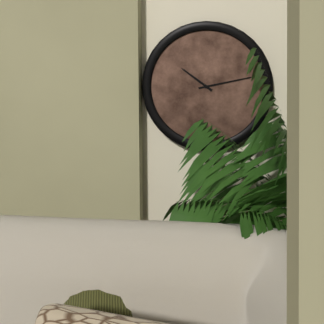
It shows 10,13
